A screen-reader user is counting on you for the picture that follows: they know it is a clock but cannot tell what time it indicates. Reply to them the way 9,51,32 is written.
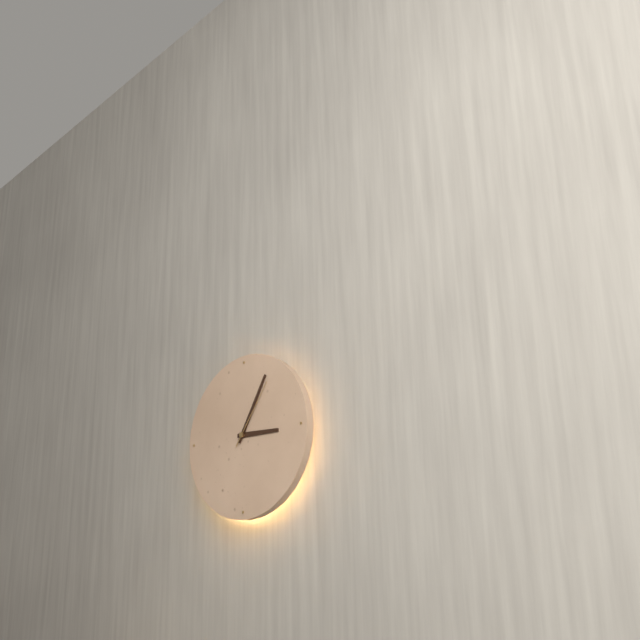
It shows 3,05,06
